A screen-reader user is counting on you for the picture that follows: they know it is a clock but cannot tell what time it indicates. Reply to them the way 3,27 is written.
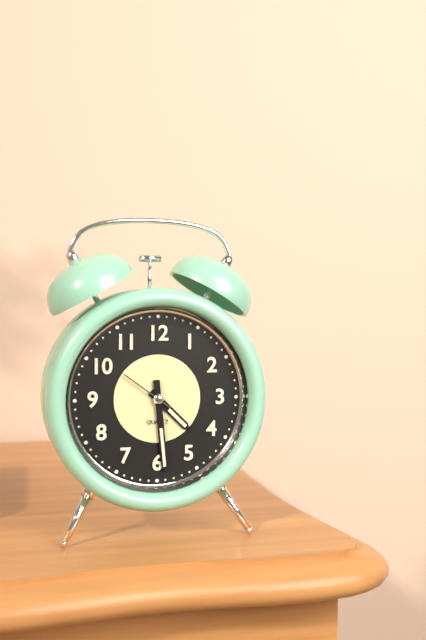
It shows 4,29
